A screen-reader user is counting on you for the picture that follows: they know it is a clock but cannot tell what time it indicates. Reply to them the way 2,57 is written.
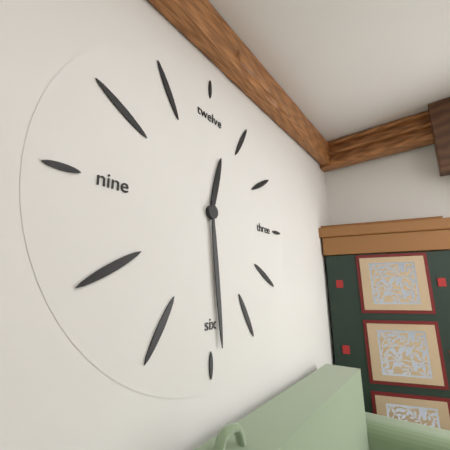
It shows 12,29
